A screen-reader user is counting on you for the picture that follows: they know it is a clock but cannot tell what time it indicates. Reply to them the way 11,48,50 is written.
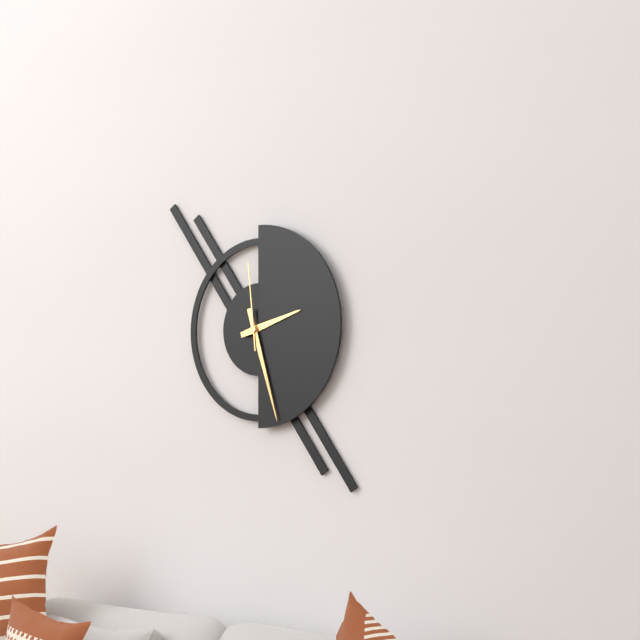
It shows 2,27,59
